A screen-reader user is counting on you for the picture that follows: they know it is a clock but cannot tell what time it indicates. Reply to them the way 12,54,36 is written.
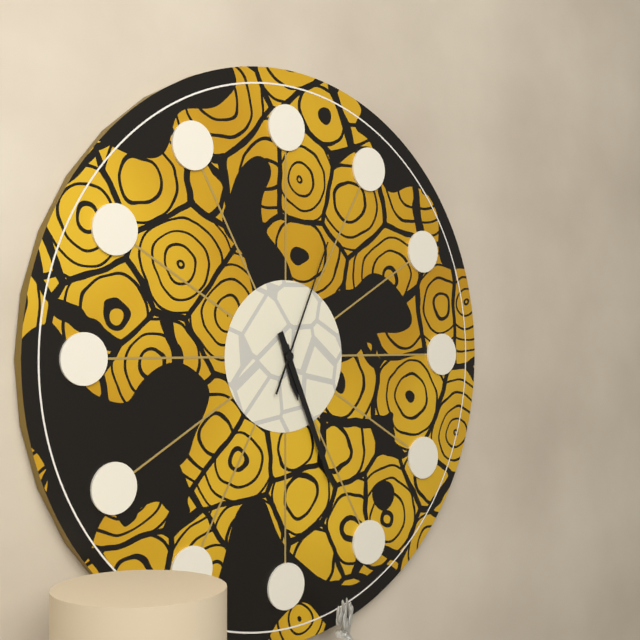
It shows 5,26,04
